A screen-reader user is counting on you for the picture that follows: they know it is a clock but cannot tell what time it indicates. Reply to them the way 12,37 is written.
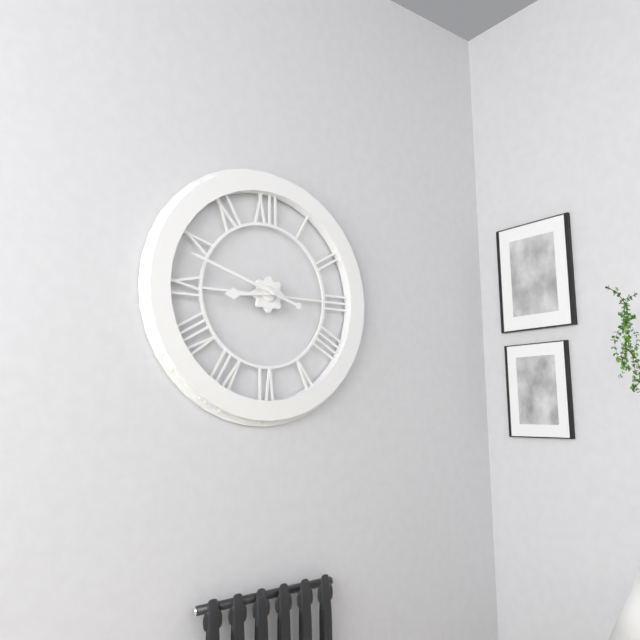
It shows 8,48
